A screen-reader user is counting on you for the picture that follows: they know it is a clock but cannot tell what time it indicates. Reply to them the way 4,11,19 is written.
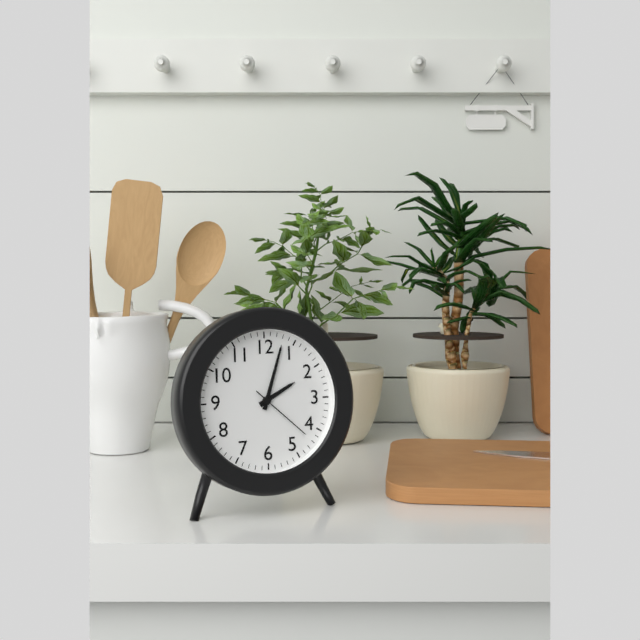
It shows 2,03,22
